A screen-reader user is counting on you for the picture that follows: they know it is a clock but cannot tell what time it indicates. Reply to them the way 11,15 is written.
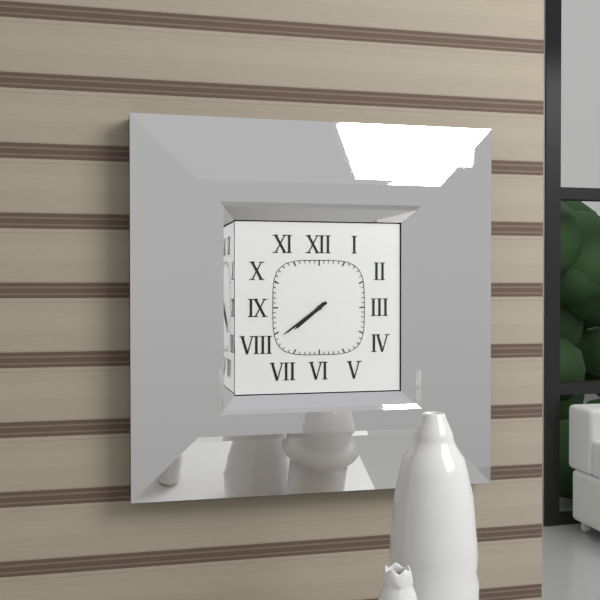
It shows 7,39
